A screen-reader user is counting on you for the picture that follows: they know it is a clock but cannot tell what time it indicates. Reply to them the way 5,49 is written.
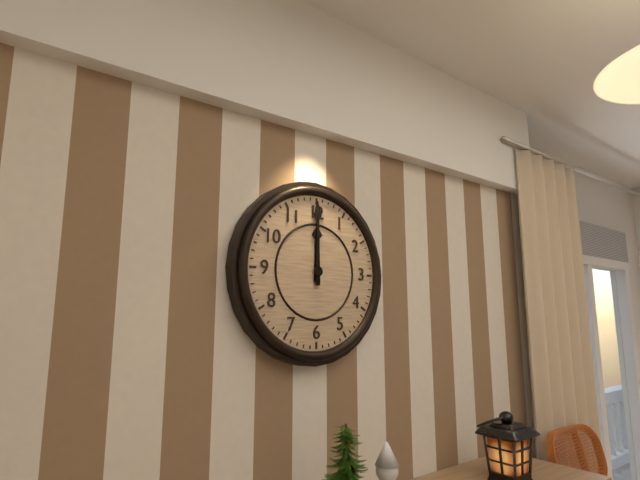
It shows 12,00
